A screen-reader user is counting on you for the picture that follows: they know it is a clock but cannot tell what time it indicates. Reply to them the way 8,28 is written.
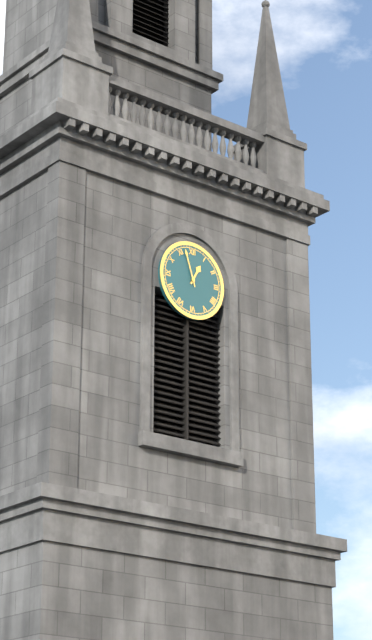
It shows 12,57
